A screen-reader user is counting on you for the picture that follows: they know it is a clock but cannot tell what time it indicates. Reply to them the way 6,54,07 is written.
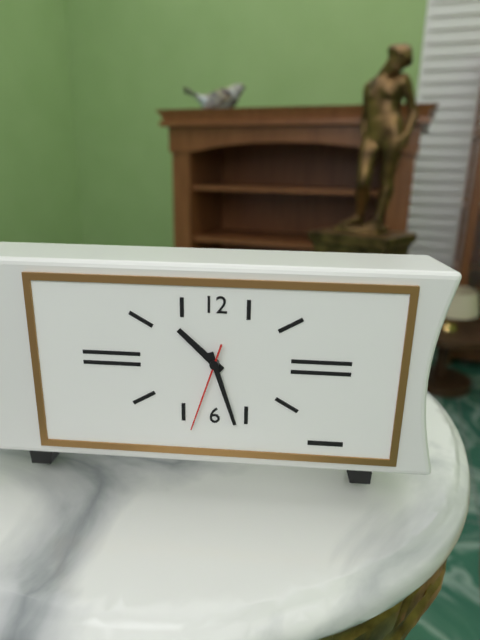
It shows 10,27,33
